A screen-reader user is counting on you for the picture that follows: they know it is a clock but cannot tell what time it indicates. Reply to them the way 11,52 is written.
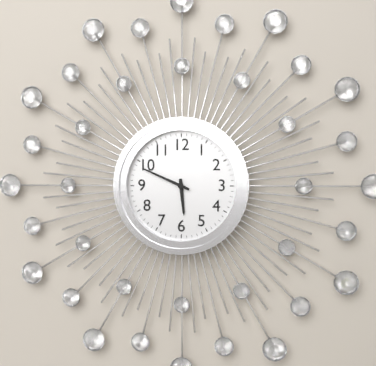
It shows 5,49
